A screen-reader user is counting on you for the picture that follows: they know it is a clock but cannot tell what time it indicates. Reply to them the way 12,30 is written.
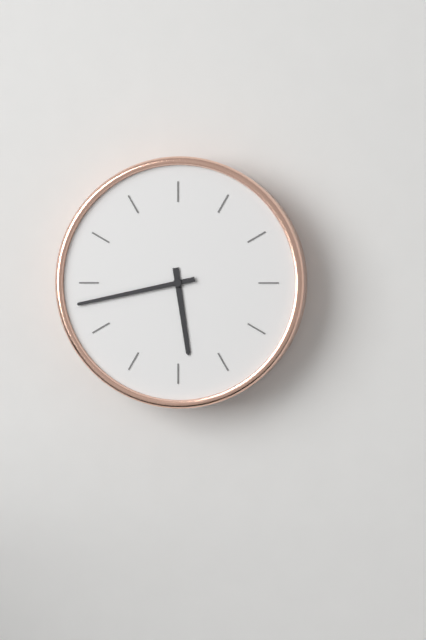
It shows 5,43
